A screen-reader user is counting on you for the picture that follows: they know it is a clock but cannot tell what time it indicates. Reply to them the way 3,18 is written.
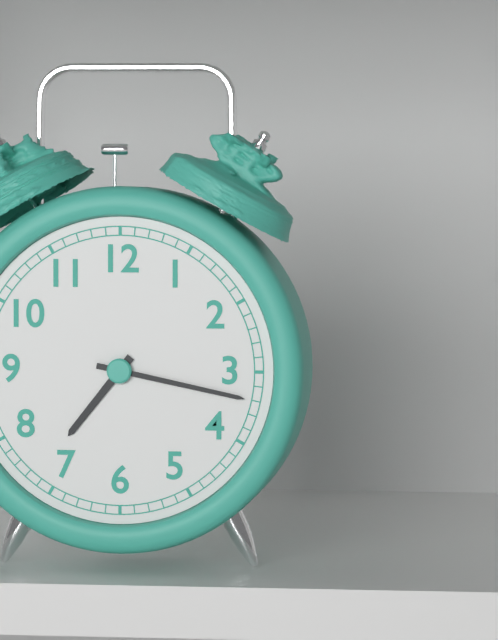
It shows 7,17
